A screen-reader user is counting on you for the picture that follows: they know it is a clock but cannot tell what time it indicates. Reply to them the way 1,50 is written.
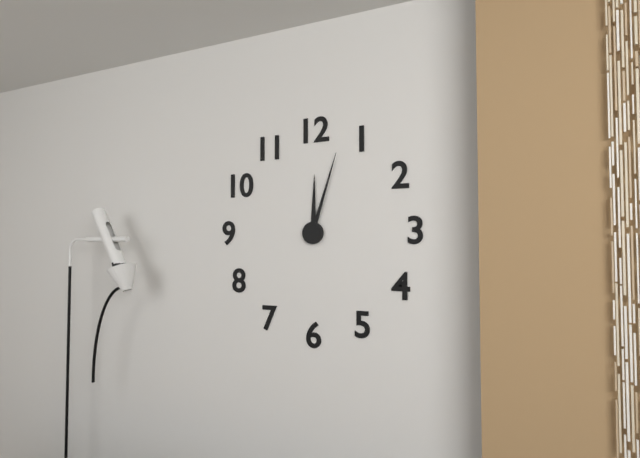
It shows 12,03
